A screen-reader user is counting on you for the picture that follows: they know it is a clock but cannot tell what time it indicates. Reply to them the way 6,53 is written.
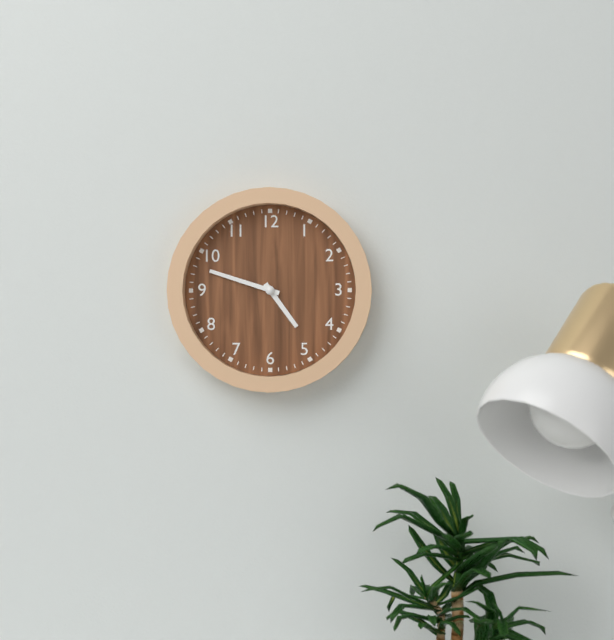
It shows 4,48
